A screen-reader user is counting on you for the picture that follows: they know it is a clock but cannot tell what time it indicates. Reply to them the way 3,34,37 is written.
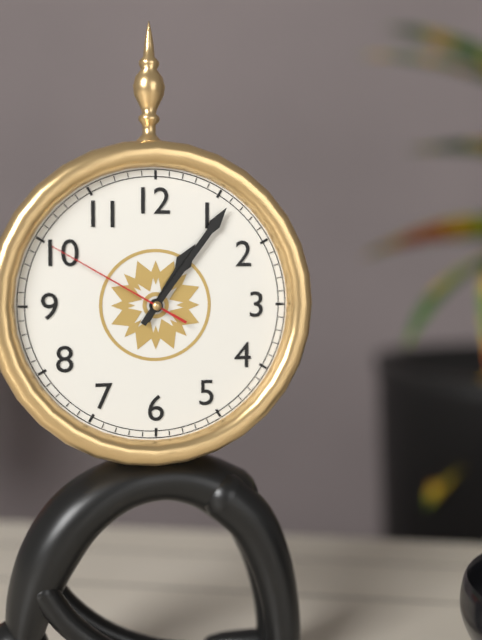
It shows 1,06,50
